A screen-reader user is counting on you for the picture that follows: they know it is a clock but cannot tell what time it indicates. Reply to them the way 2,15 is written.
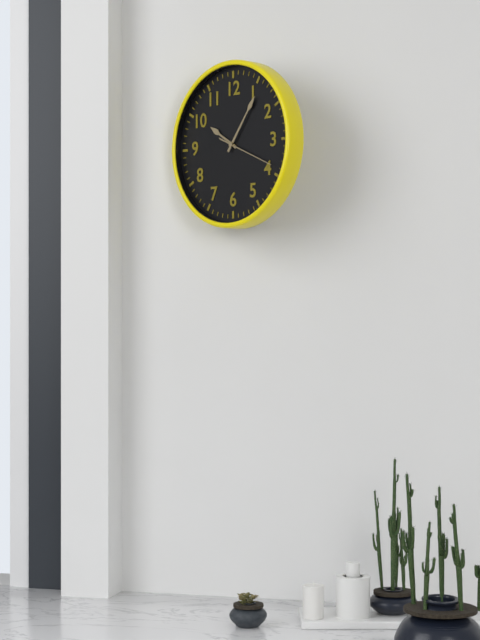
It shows 10,06
